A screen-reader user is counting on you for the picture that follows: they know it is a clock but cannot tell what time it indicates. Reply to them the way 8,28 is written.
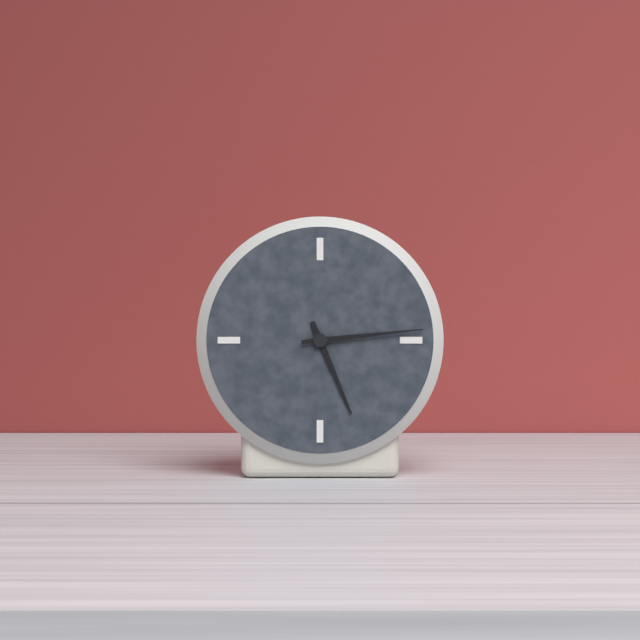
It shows 5,14
